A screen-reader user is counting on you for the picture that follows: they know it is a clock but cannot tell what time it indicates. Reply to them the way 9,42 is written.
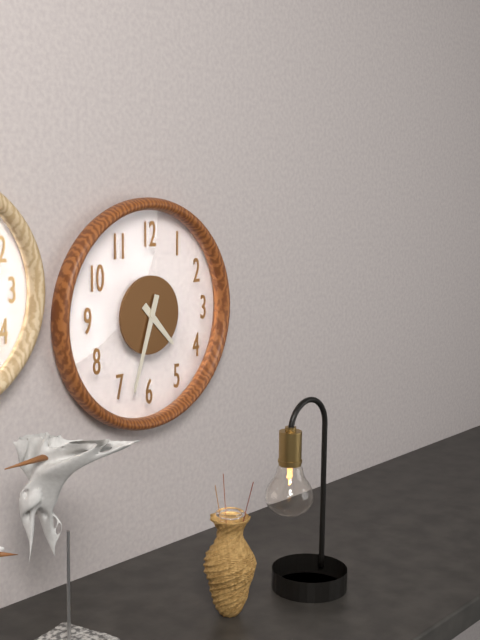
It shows 4,33
